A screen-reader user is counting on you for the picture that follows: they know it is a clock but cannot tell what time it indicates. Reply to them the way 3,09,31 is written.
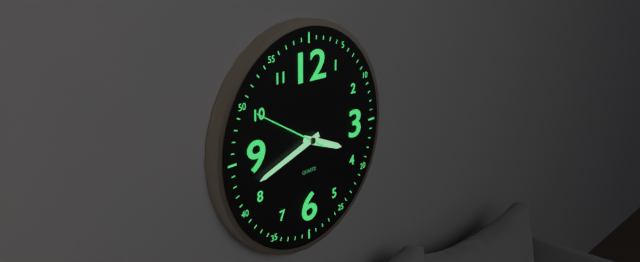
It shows 3,42,50
